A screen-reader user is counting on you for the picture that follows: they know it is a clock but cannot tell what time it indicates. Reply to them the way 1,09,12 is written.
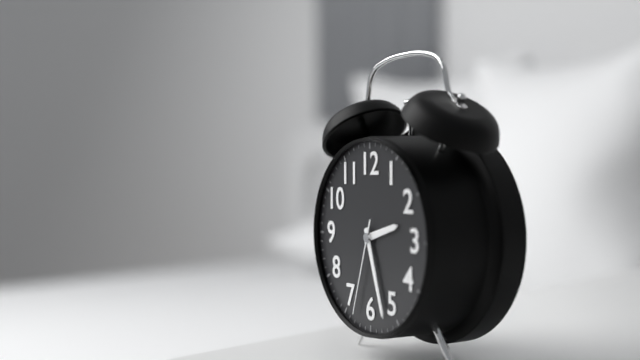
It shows 2,27,33
